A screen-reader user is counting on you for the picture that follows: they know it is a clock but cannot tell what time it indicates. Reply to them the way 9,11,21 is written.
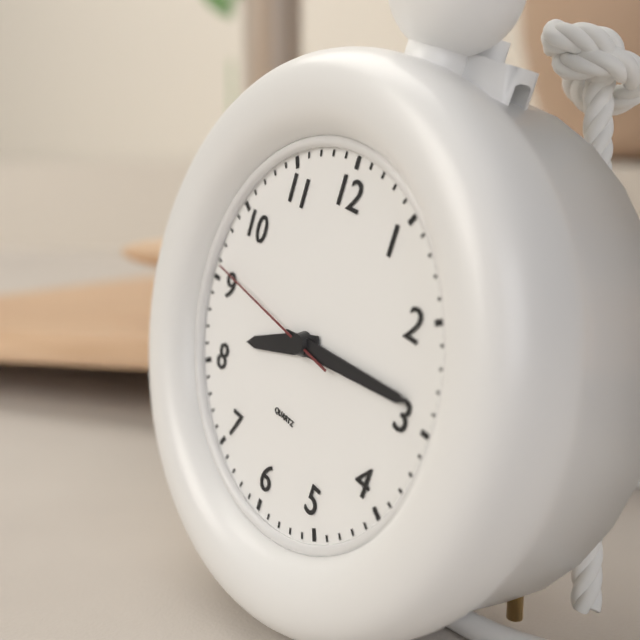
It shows 8,14,46
